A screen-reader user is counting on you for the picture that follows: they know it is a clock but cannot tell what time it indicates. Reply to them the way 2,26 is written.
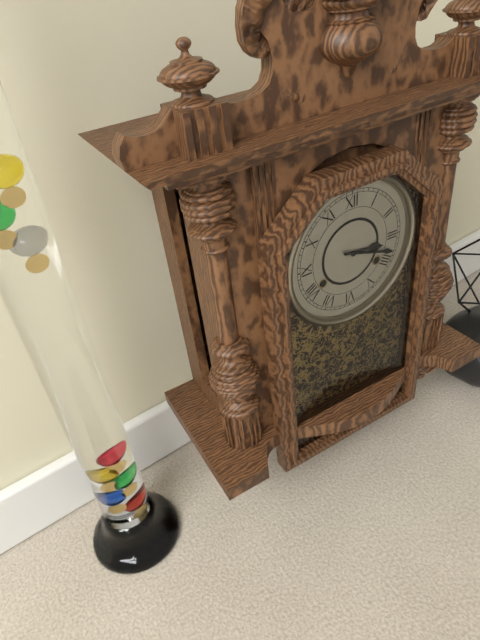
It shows 3,18
